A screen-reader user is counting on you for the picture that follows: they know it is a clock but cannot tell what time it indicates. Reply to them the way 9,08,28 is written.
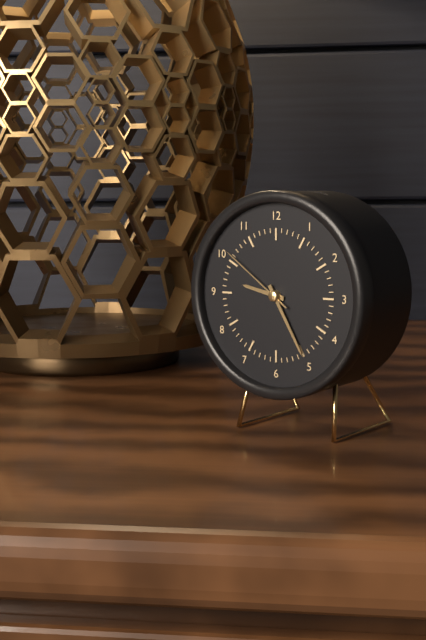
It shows 9,25,51
